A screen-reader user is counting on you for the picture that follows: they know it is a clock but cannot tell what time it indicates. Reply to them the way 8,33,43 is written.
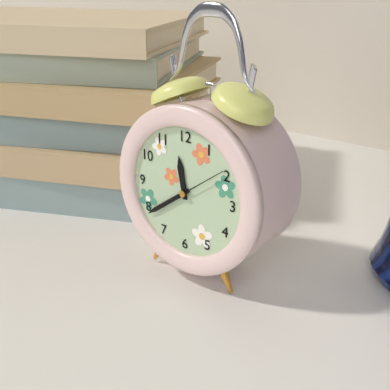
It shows 11,39,09
